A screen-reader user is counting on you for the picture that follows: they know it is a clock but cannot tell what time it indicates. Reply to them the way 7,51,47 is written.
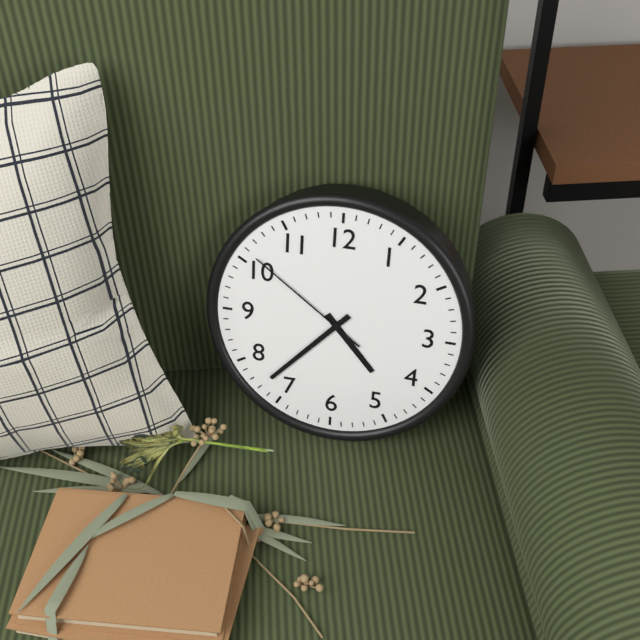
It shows 4,37,51
